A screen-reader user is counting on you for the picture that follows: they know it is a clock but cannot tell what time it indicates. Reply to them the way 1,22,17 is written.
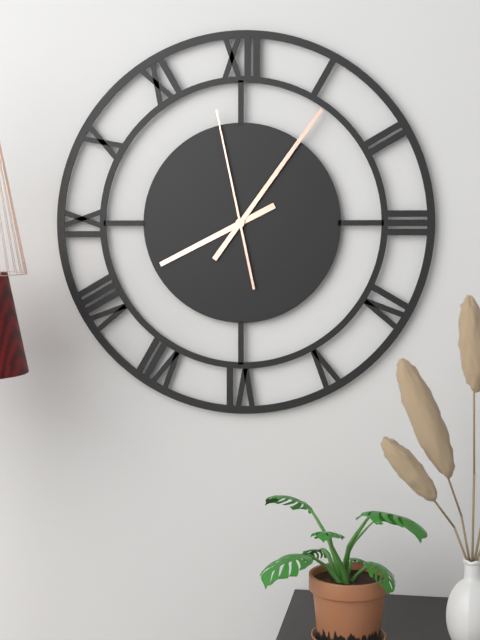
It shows 8,06,58
